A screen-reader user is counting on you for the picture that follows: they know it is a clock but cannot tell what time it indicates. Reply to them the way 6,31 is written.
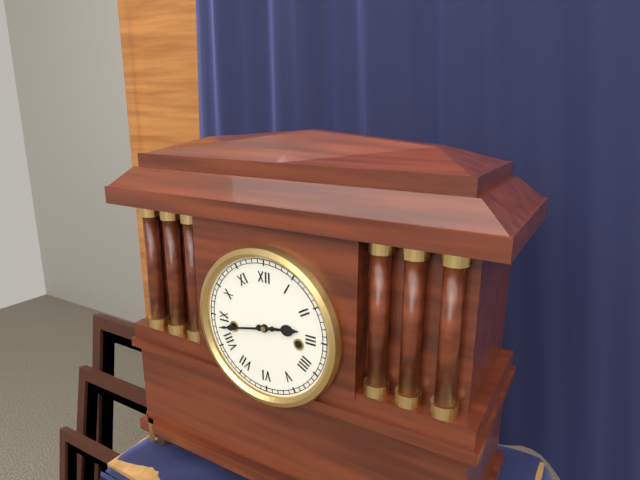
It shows 2,43
